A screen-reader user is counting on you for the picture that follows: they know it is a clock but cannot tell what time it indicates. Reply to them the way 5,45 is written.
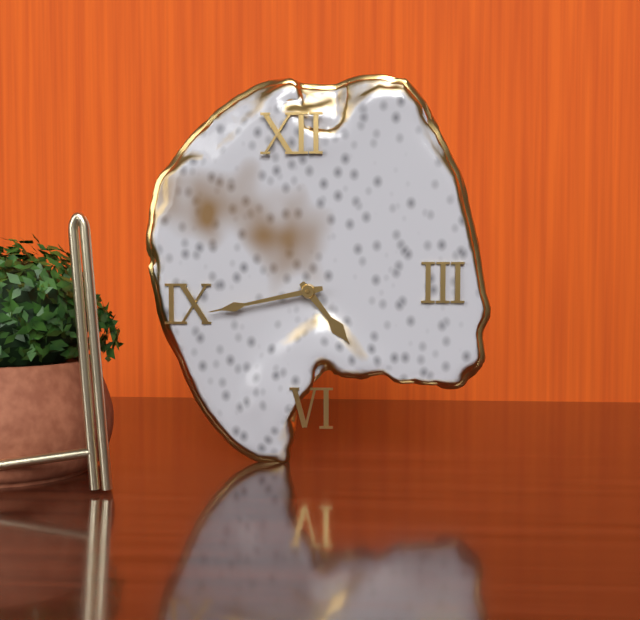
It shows 4,43
